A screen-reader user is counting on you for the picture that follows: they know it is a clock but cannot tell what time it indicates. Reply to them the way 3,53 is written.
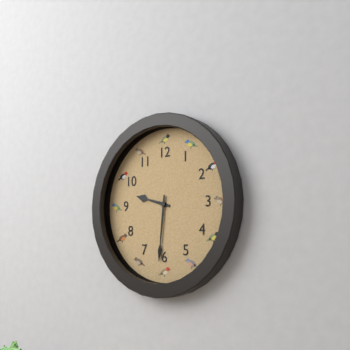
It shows 9,31
